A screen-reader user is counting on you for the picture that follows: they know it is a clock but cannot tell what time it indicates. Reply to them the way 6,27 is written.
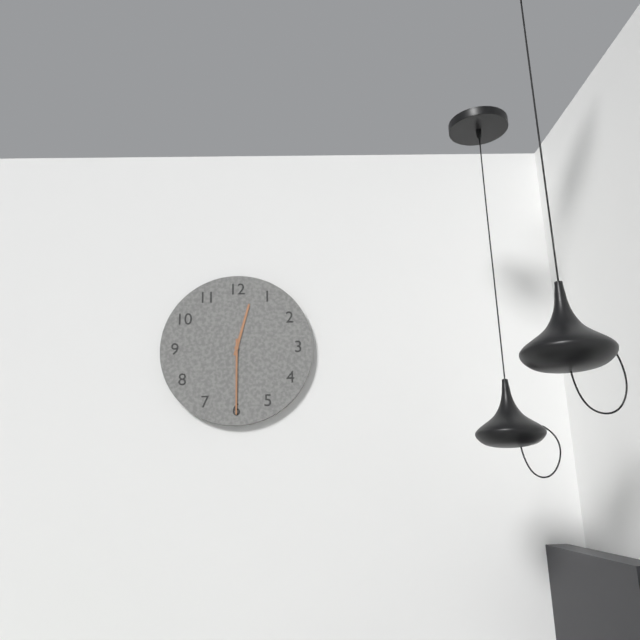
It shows 12,30
